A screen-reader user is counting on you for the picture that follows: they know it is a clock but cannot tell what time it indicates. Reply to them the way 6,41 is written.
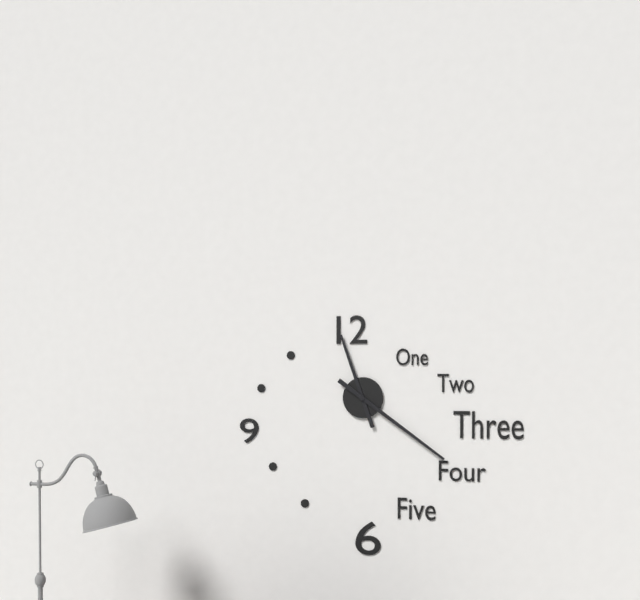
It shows 11,21
